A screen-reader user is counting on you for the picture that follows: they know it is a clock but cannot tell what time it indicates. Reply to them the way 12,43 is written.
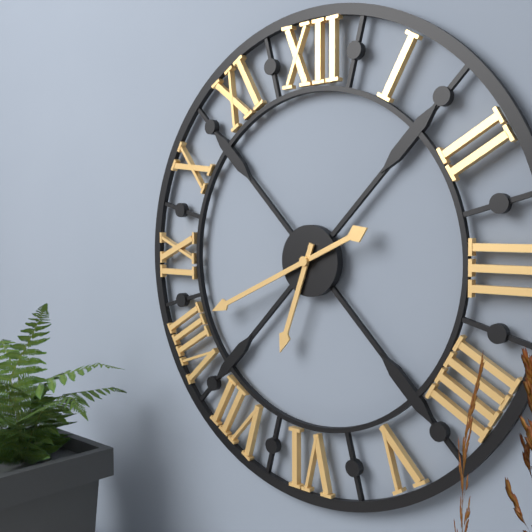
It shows 6,41
